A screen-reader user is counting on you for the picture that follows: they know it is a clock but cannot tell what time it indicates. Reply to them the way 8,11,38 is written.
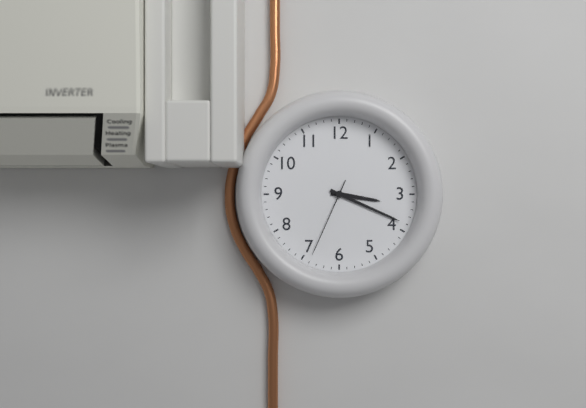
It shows 3,19,34
